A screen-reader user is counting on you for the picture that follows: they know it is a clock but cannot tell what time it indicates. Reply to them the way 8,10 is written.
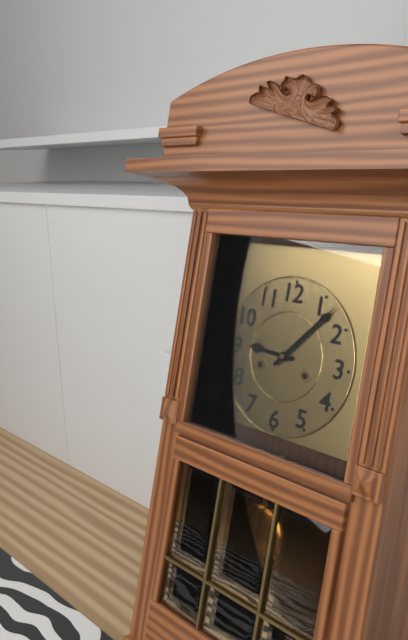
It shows 9,07
